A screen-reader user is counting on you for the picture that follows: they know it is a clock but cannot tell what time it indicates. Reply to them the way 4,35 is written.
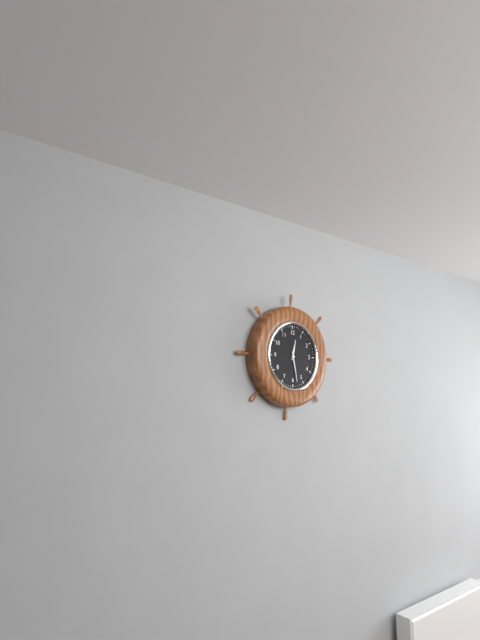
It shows 12,28
